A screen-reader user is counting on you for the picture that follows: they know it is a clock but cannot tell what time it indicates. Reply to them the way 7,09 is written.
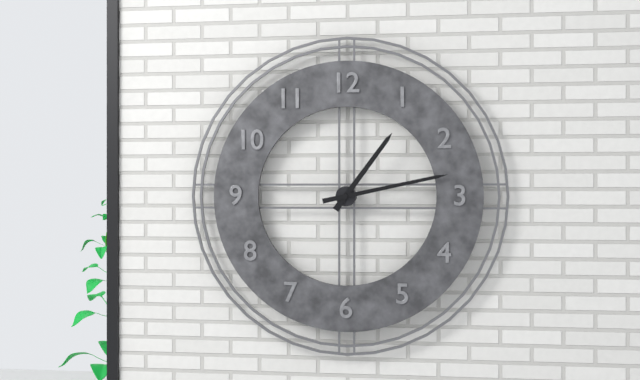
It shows 1,13
